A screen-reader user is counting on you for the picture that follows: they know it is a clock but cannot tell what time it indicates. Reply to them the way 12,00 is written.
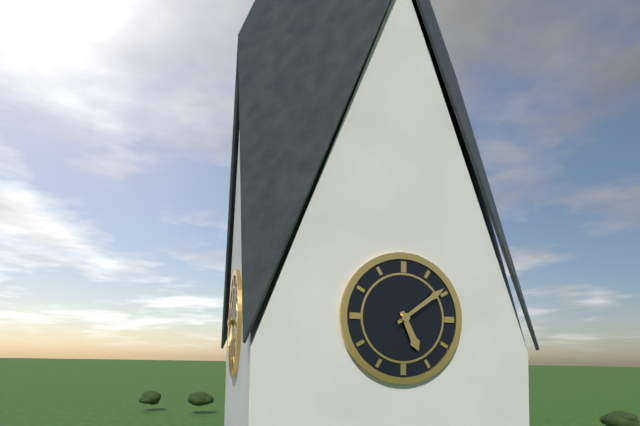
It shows 5,09
